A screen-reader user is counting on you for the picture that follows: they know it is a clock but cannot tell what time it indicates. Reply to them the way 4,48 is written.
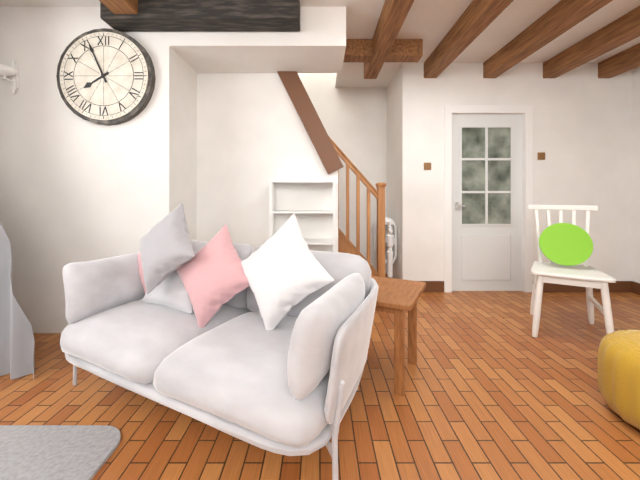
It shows 7,56
